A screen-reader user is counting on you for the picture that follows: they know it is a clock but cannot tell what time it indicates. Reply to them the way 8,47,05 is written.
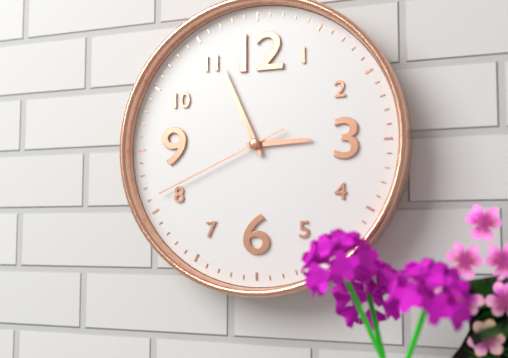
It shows 2,56,41
